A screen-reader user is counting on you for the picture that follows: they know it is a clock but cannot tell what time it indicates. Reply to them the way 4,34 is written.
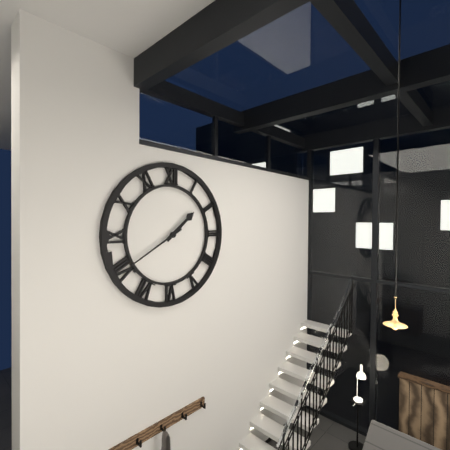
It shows 1,40
